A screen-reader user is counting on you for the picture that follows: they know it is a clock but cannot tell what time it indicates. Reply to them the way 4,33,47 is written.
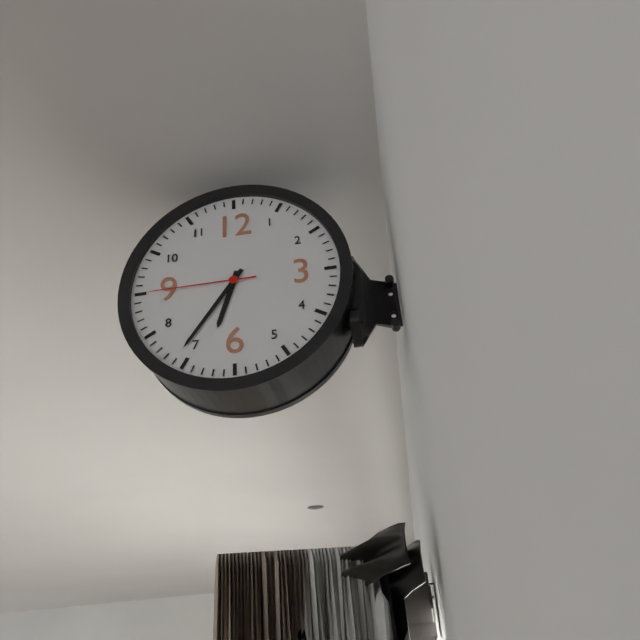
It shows 6,36,45
